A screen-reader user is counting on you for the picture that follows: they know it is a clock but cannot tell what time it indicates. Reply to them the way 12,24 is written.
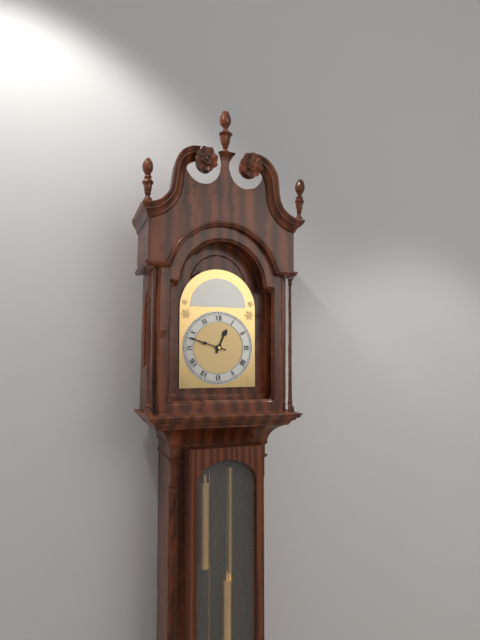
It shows 12,48
